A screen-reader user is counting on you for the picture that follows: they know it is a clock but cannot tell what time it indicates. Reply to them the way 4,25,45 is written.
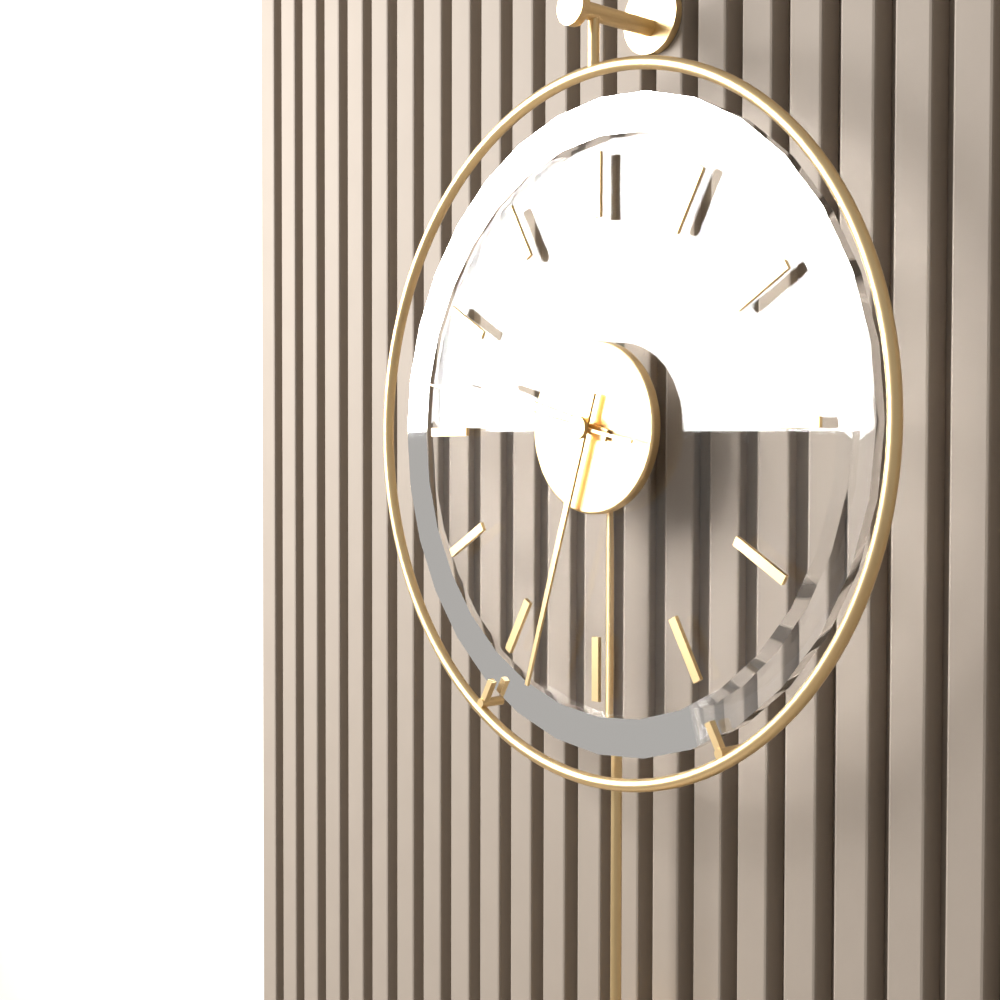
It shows 9,33,47
